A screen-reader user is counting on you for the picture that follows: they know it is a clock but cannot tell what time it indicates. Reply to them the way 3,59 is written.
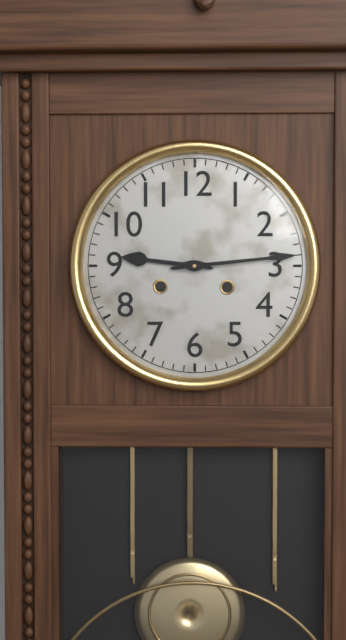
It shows 9,14
